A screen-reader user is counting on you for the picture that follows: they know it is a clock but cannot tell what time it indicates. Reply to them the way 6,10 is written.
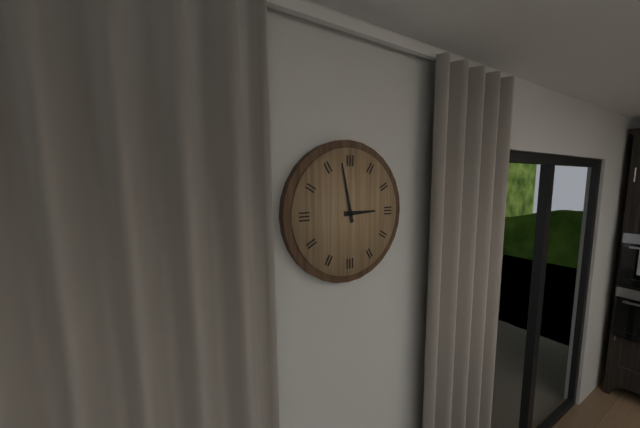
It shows 2,58
